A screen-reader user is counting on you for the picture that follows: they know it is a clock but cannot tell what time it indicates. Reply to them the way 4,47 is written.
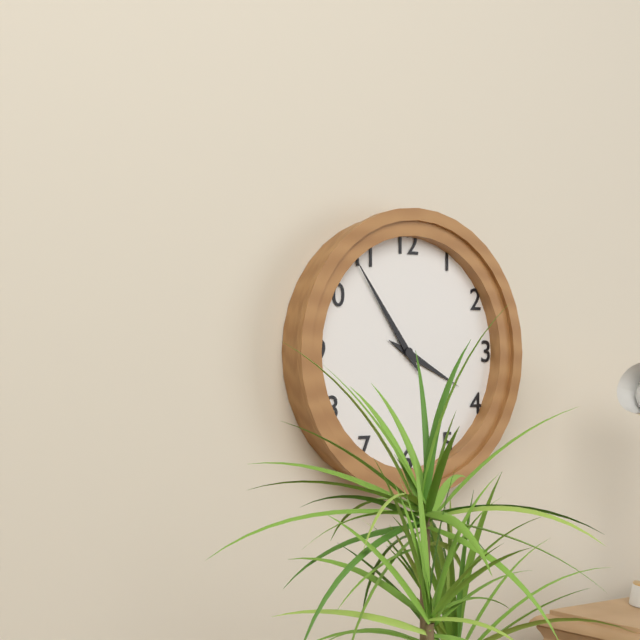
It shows 3,54
